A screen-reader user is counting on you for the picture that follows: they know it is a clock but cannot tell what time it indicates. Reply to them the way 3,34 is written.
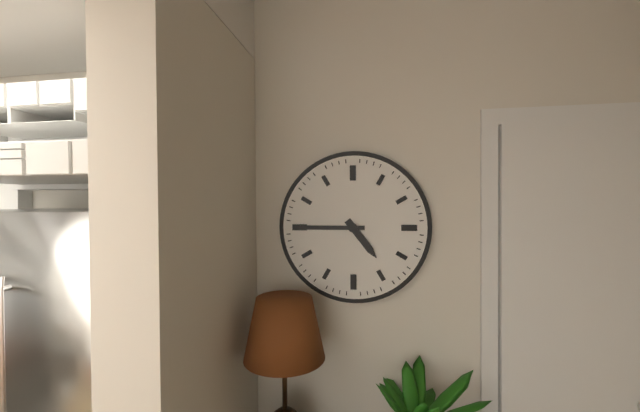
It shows 4,45
